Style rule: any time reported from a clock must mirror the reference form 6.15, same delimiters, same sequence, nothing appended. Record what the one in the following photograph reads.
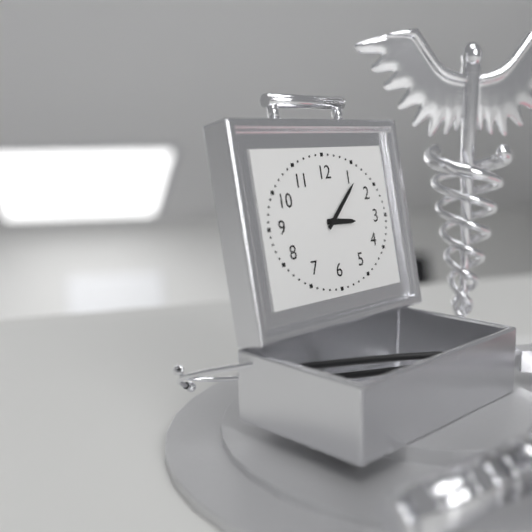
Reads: 3.08
